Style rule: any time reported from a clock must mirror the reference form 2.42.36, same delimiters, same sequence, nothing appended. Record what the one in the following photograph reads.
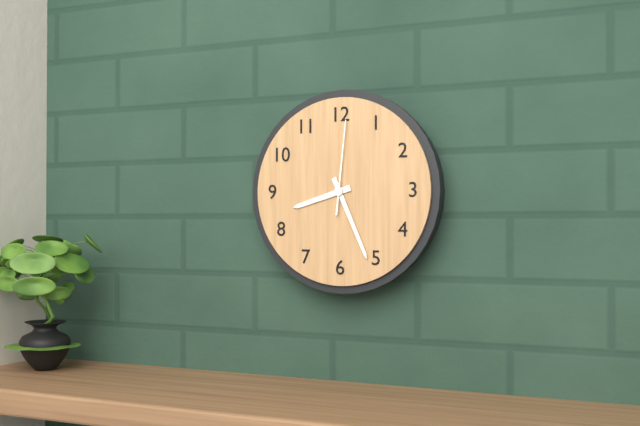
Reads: 8.26.01
